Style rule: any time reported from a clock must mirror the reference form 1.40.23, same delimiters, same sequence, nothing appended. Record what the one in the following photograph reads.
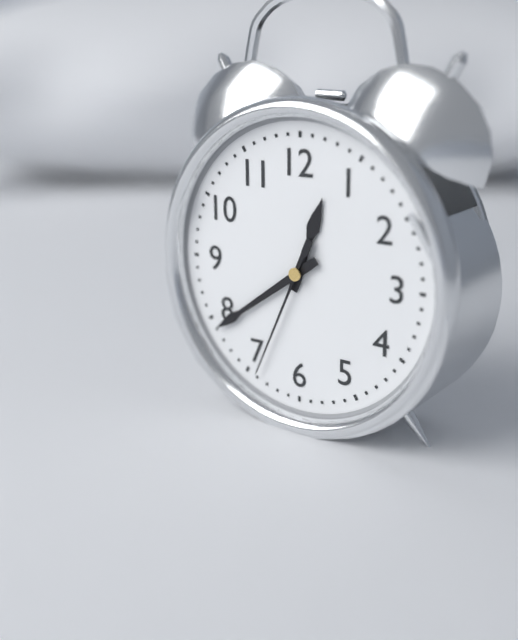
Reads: 12.39.34
